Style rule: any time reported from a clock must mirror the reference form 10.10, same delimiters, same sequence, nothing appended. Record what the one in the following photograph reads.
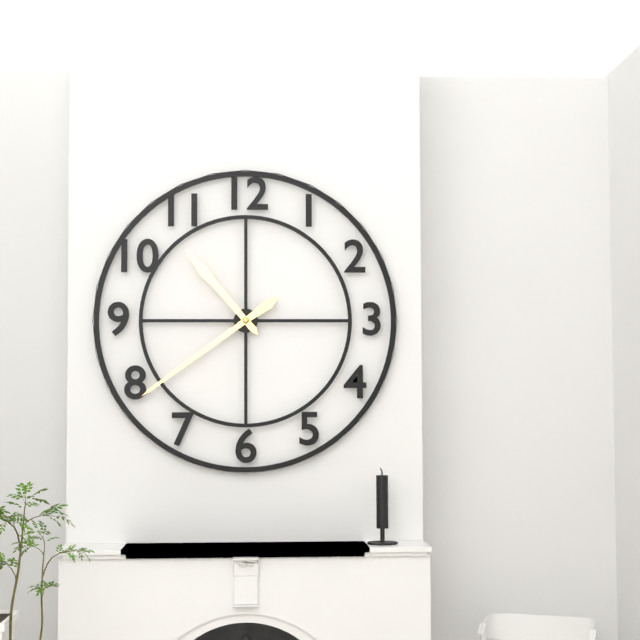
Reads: 10.39
